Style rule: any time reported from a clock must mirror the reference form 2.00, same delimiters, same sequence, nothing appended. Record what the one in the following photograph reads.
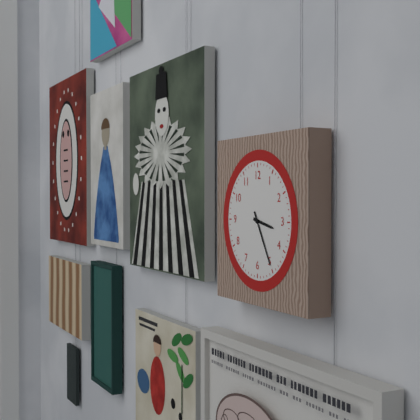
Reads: 3.25
